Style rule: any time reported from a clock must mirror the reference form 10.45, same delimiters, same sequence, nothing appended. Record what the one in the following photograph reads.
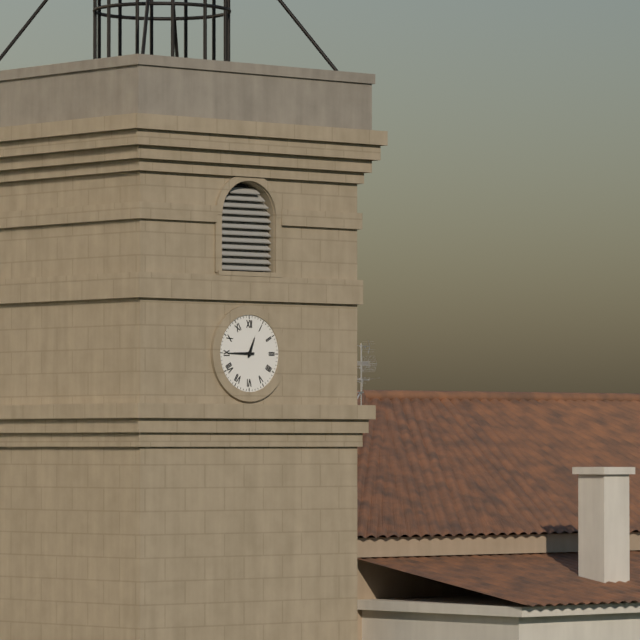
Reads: 12.45
